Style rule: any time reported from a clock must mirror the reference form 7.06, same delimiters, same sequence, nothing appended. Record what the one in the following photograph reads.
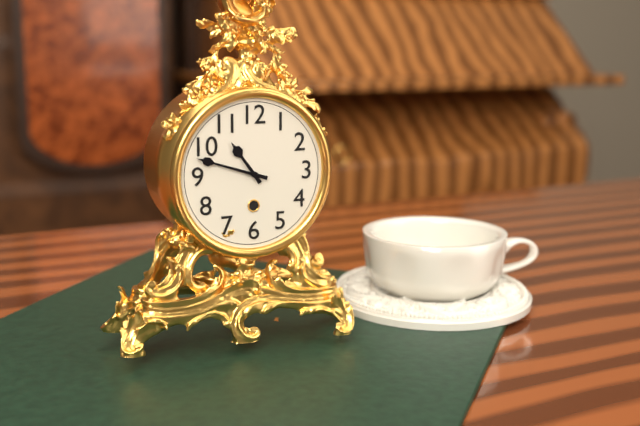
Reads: 10.48
